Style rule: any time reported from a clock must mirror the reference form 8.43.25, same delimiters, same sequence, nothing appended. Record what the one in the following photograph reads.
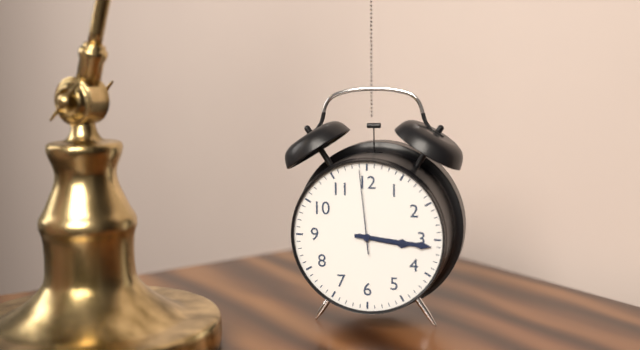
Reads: 3.16.59
